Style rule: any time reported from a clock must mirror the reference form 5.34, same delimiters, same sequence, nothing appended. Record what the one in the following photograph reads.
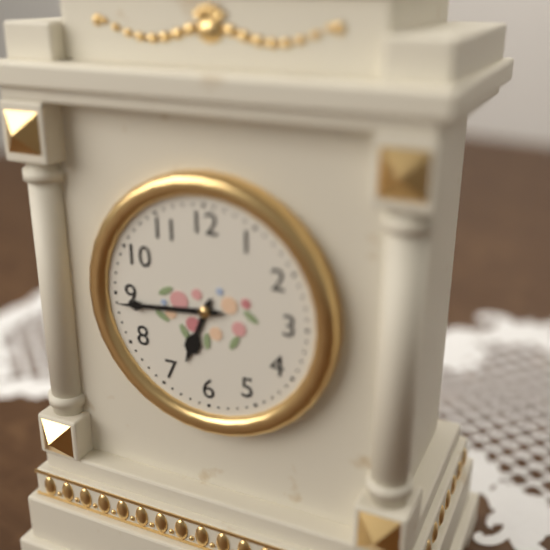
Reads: 6.44
